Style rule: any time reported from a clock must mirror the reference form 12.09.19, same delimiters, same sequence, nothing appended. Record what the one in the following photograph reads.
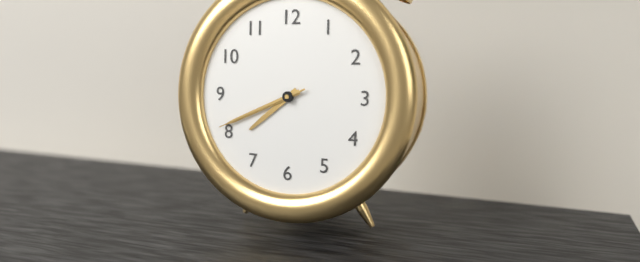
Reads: 7.41.41
